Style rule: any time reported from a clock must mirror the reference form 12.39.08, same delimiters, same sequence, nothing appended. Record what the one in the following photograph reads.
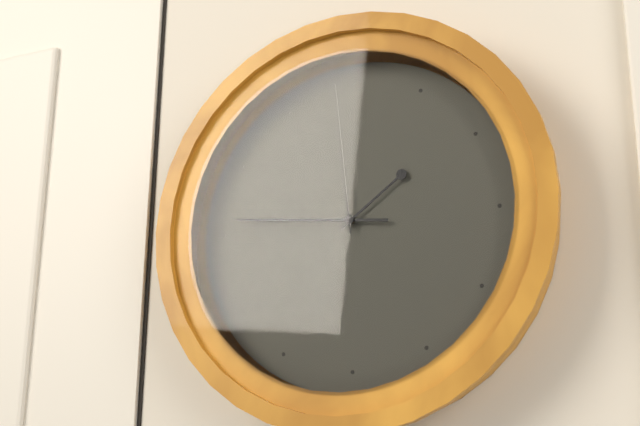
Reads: 1.46.59
